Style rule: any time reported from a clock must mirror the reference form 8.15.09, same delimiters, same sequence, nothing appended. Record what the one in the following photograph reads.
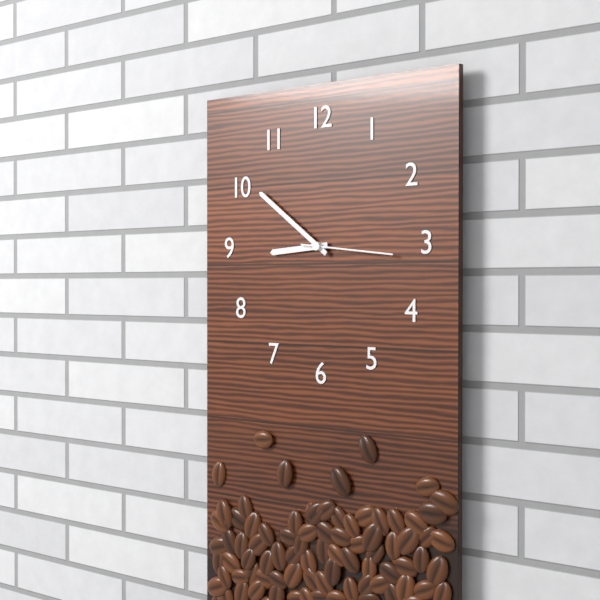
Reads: 8.51.16
